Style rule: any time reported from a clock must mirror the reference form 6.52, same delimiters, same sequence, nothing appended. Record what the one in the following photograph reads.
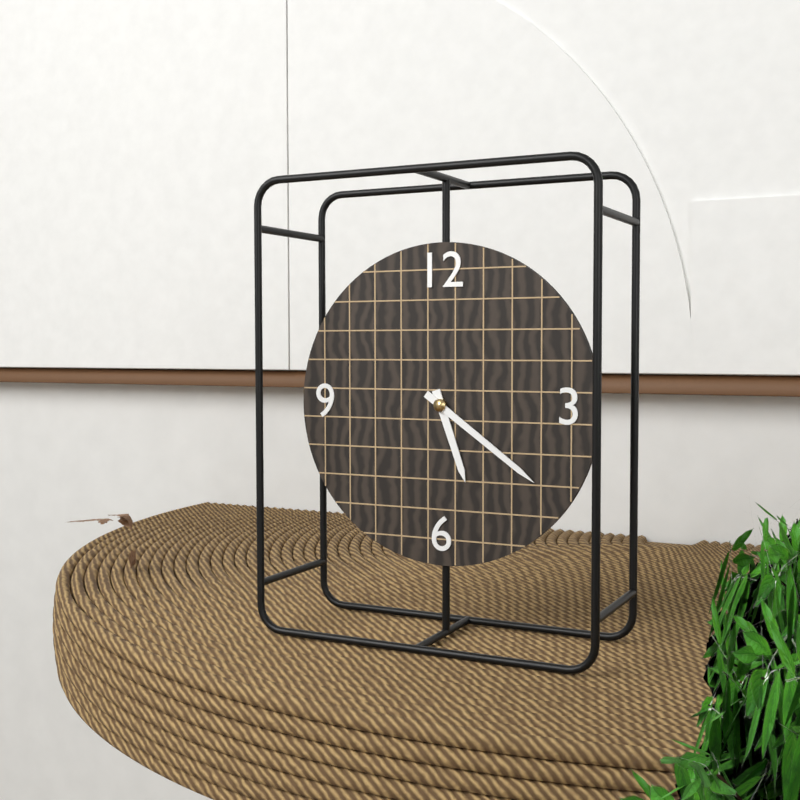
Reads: 5.21
